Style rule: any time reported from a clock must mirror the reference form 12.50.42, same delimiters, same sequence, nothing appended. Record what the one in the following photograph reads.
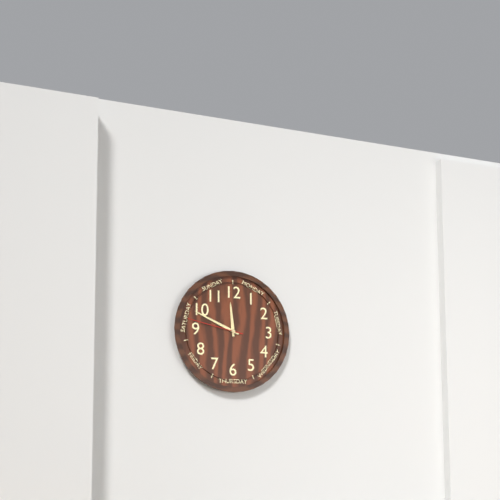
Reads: 11.49.47
